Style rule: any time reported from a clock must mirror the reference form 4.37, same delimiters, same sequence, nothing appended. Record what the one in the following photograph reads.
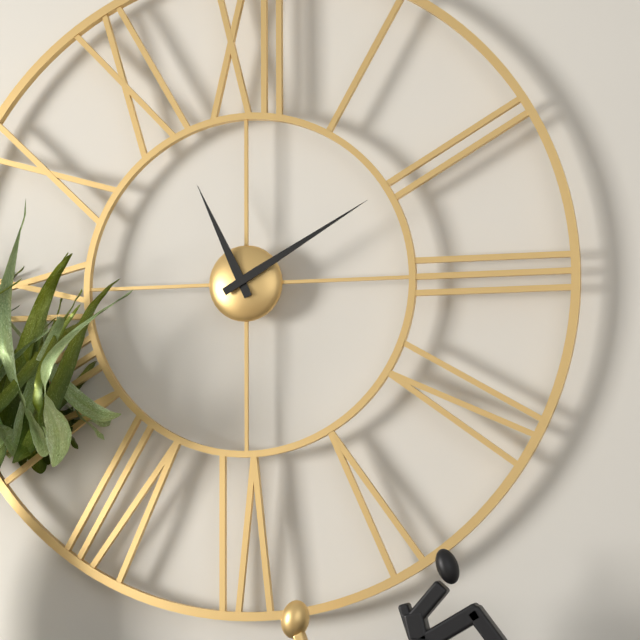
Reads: 11.10
